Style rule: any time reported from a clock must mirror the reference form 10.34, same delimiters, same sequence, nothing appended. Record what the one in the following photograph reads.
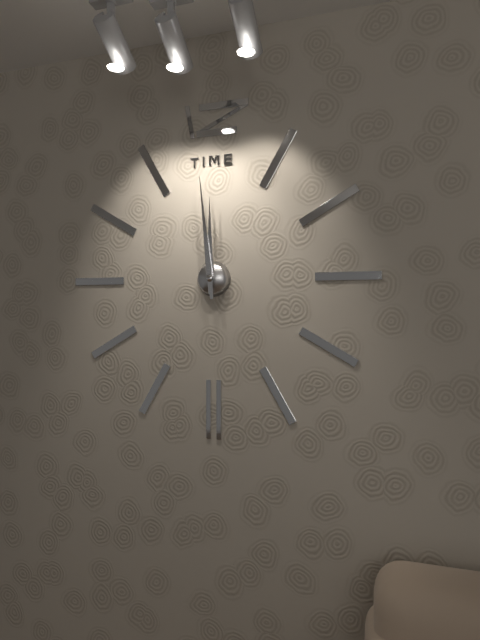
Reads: 11.59
